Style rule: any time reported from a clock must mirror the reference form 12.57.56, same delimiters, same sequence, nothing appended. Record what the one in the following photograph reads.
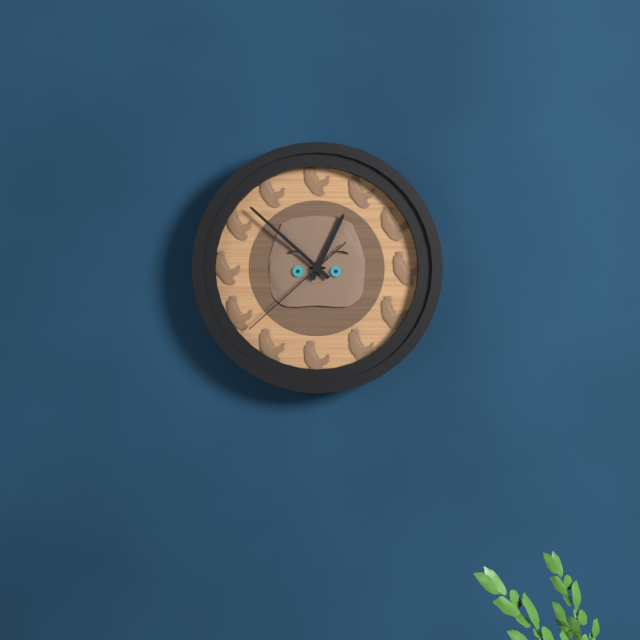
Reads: 12.52.38
